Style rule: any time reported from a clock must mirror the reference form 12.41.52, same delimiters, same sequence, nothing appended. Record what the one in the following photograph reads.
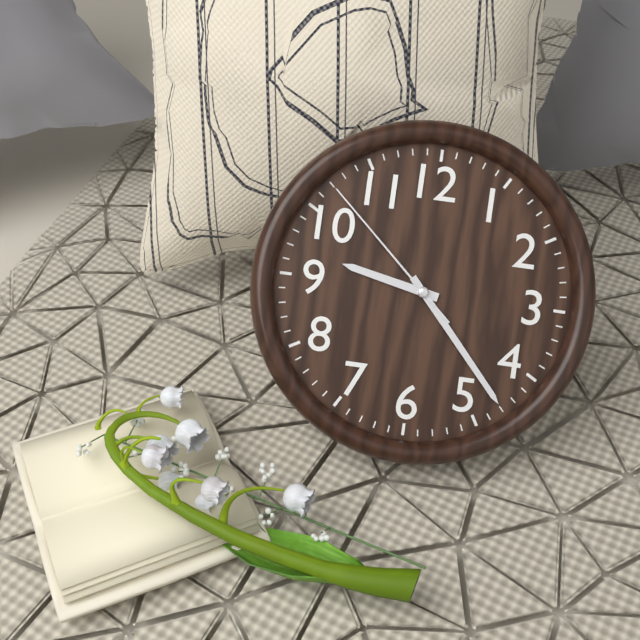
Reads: 9.23.52
